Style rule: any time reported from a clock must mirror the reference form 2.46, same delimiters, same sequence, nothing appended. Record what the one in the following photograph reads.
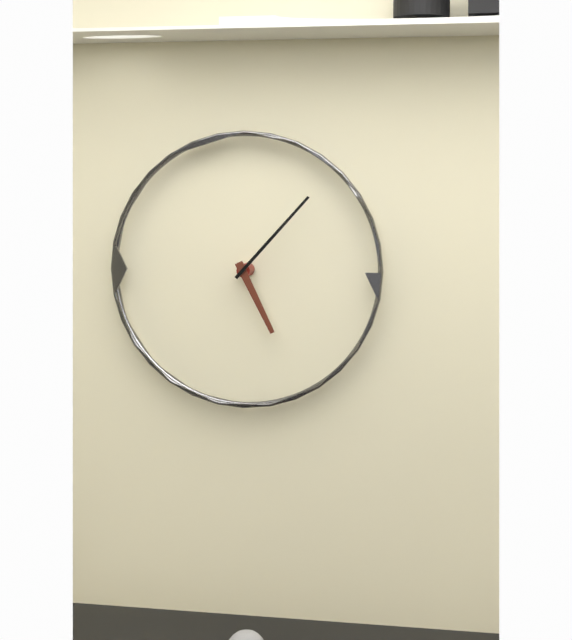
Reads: 5.07
